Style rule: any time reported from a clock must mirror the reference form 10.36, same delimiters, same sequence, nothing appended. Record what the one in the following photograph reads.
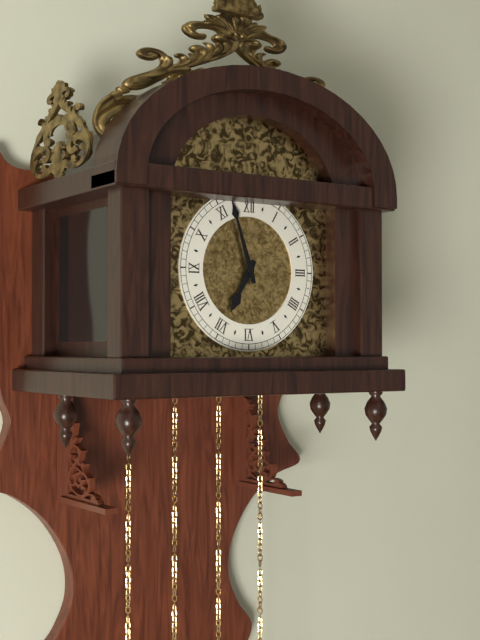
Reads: 6.57
